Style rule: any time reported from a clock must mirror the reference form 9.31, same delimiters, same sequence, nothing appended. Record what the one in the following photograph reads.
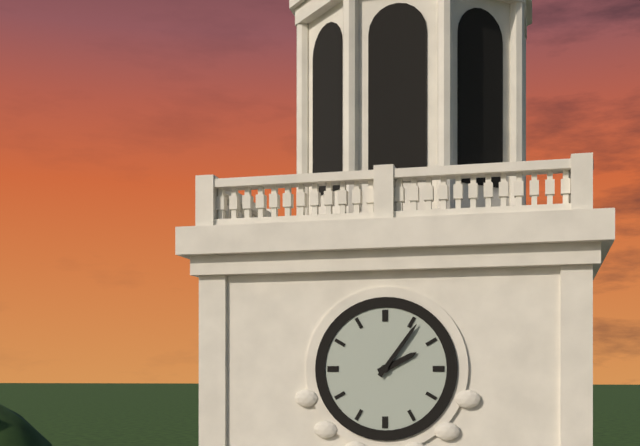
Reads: 2.06
